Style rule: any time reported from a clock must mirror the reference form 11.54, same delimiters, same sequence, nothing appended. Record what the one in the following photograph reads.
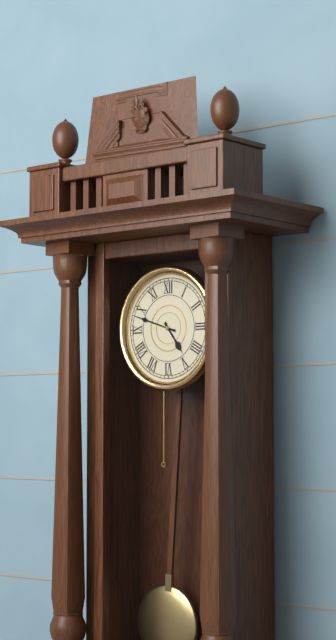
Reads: 4.48
